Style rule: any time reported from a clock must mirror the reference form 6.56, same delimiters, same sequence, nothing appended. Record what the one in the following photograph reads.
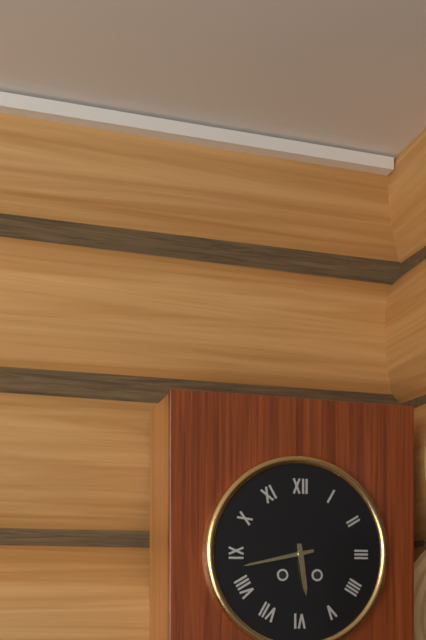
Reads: 5.43
